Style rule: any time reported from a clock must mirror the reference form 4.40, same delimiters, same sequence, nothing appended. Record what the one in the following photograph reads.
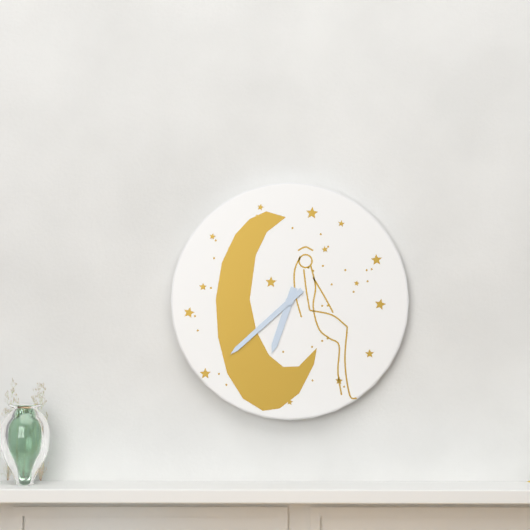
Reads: 6.38
